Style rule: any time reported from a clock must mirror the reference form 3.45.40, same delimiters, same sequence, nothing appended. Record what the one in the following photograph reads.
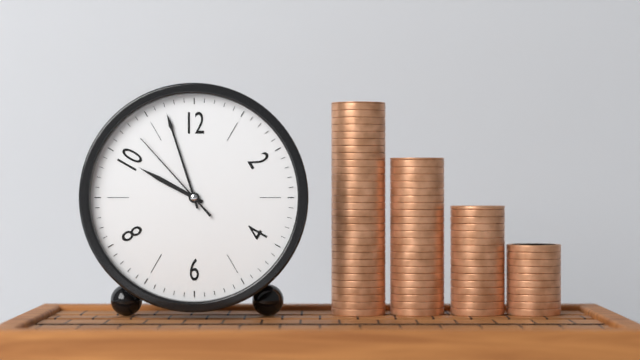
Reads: 9.57.53
